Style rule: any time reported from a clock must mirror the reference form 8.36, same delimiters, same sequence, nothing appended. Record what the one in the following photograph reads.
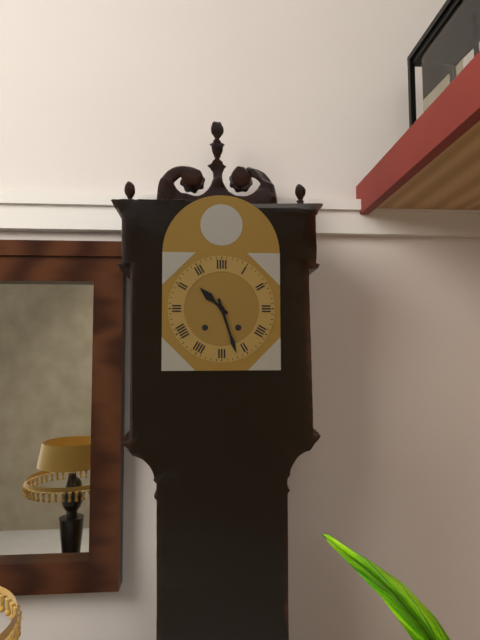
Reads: 10.27
